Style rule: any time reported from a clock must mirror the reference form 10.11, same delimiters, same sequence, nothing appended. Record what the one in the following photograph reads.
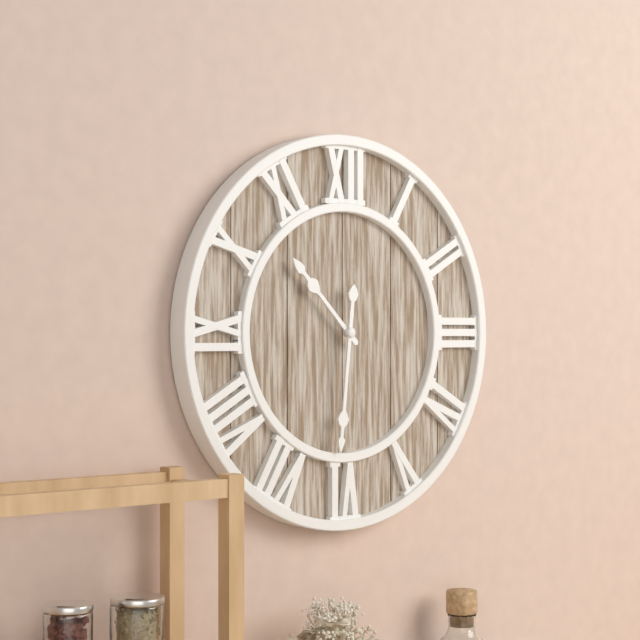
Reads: 10.31
